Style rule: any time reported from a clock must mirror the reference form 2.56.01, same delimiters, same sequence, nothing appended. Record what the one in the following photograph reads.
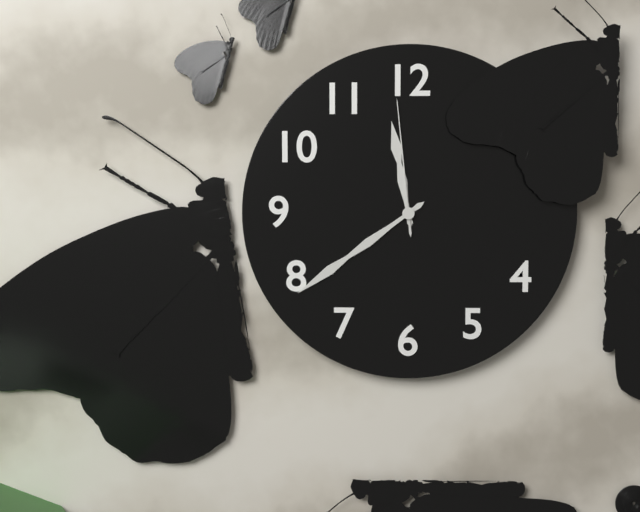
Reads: 11.39.59
